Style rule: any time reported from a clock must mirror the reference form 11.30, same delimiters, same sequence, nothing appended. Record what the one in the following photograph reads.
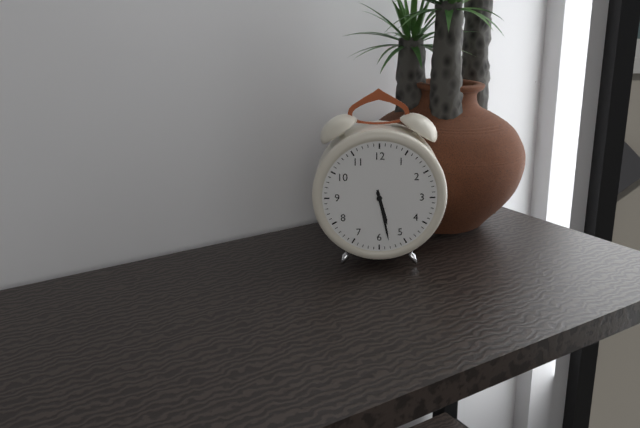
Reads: 5.28
